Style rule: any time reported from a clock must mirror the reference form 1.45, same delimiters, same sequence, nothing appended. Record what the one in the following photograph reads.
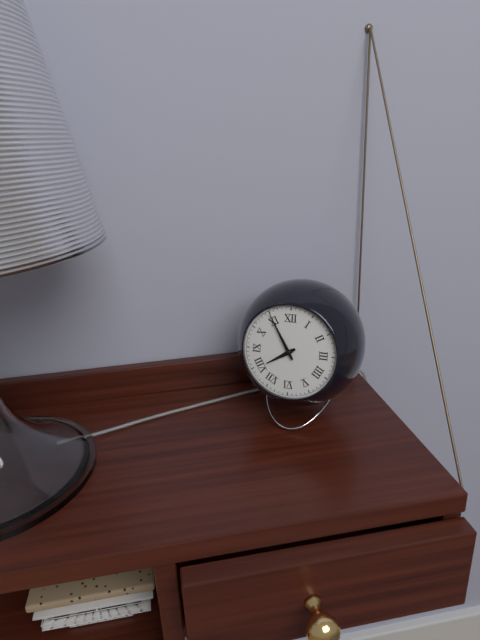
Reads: 7.55
